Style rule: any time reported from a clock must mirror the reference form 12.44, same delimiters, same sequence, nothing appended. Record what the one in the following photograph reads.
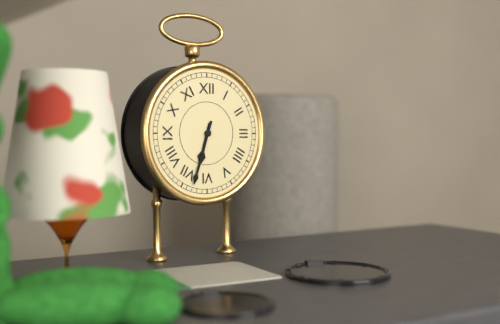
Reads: 6.33
